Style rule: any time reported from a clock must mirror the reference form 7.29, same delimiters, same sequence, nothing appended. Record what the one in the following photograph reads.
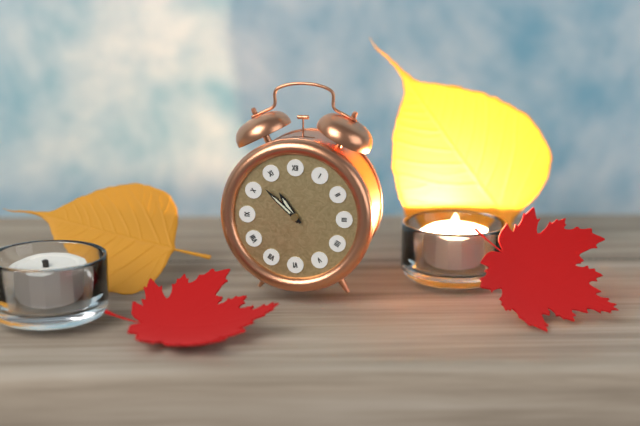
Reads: 10.52
